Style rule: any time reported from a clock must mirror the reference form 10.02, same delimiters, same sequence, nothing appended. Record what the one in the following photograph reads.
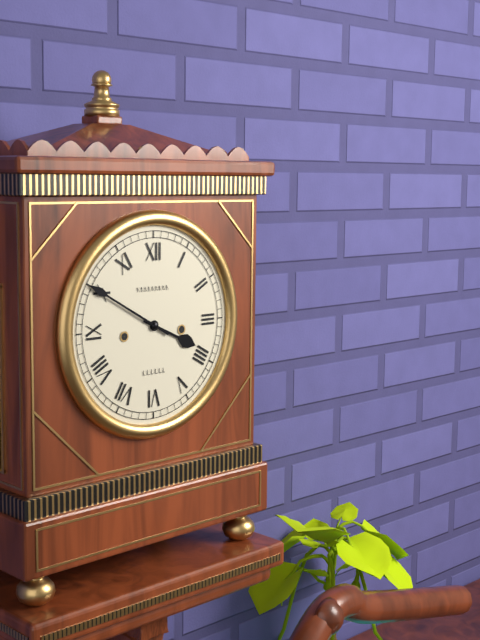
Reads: 3.50
